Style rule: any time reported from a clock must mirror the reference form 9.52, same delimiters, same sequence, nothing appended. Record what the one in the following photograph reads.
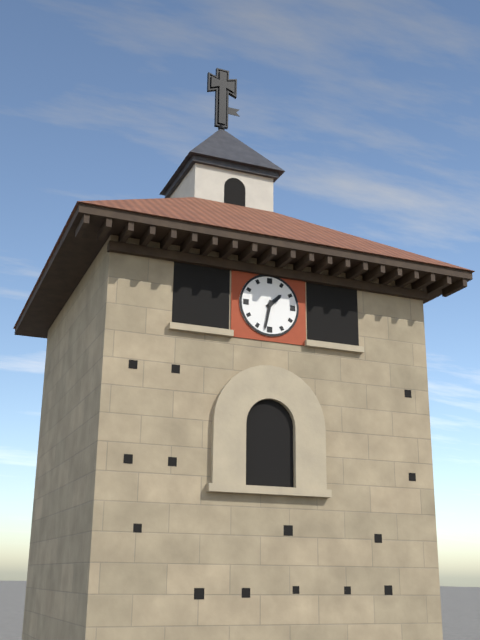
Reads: 1.32
